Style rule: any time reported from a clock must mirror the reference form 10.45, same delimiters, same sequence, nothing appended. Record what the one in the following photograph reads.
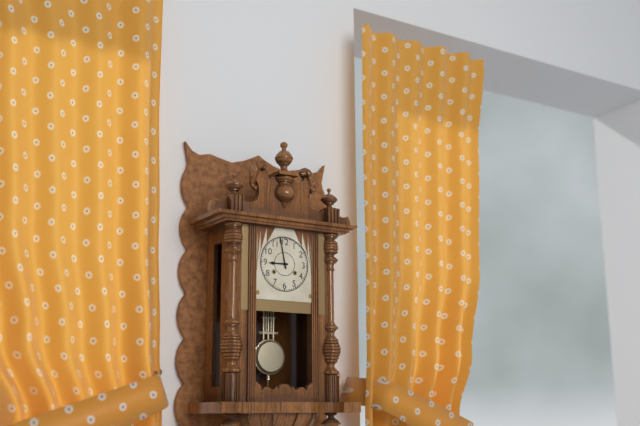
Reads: 8.58
